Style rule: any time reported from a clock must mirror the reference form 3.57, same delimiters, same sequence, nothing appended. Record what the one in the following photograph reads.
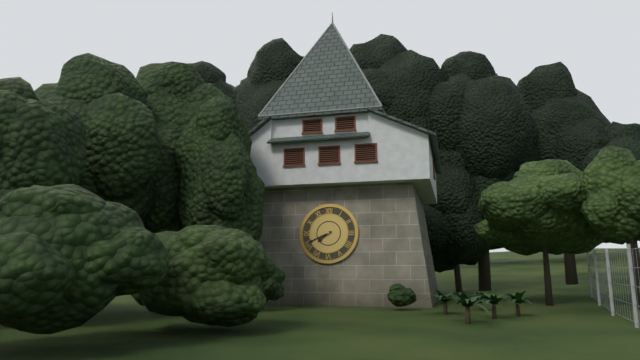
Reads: 7.41
